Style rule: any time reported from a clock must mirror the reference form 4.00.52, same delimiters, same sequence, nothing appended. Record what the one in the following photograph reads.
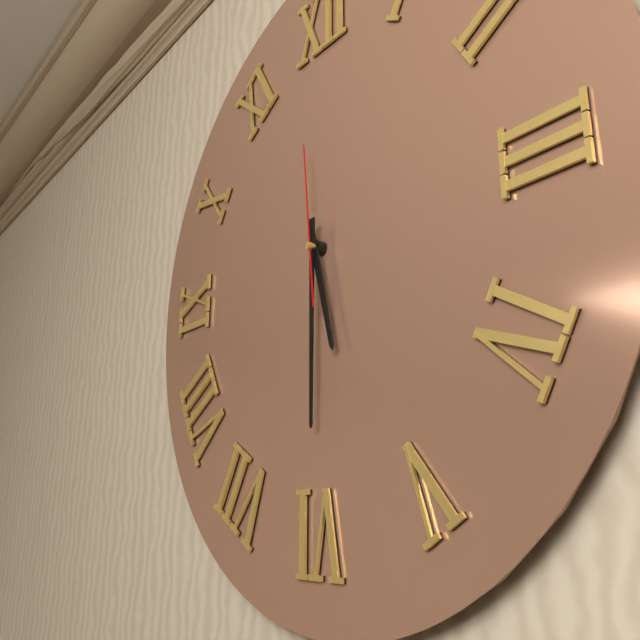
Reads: 5.30.59
